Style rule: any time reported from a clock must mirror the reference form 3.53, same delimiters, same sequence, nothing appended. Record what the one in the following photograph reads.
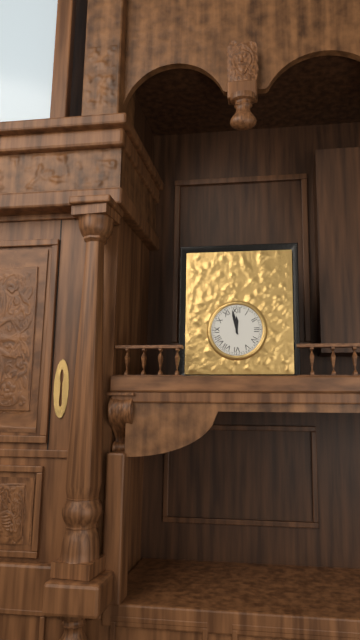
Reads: 11.58
